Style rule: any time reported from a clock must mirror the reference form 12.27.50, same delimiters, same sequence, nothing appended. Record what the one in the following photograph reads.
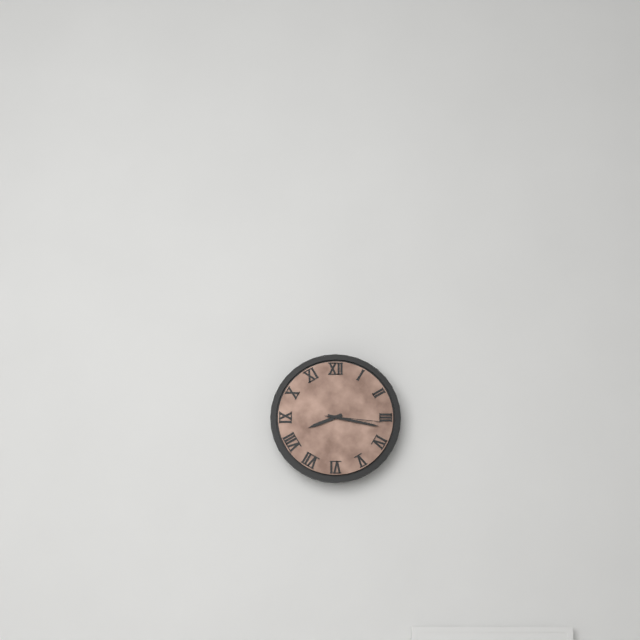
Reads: 8.17.16
